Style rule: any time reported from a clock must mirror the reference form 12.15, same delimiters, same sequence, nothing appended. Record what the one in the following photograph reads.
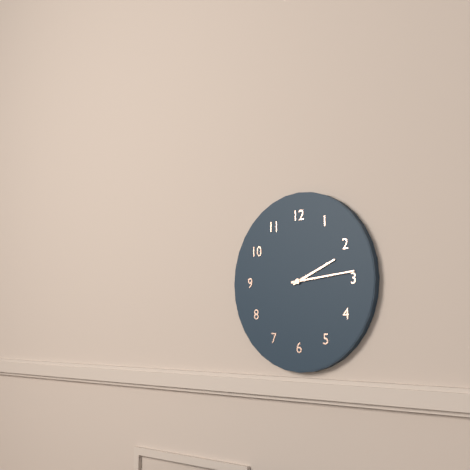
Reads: 2.14
